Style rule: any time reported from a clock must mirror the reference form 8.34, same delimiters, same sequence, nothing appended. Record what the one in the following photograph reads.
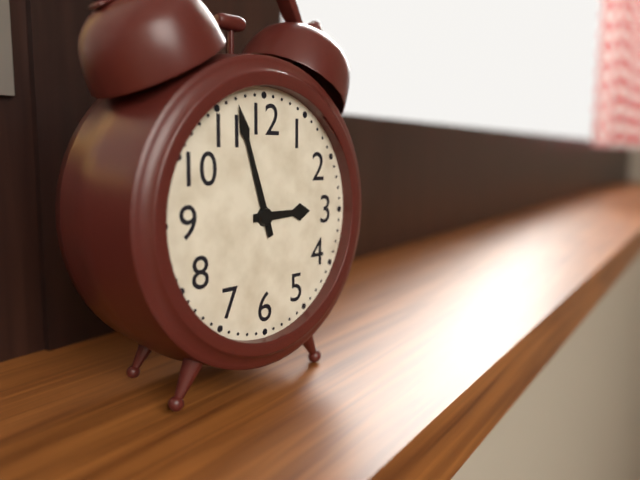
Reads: 2.57
